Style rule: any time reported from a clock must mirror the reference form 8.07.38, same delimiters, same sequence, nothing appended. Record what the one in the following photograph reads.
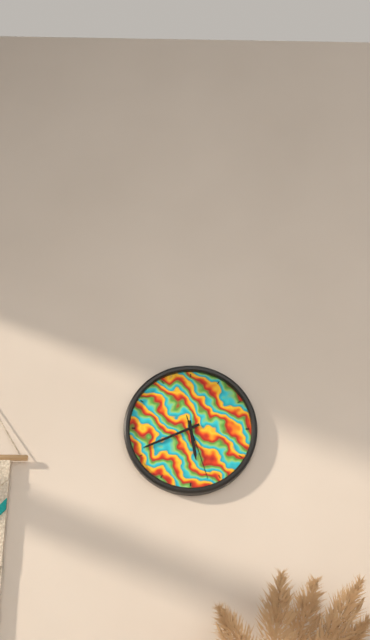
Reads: 5.41.27
